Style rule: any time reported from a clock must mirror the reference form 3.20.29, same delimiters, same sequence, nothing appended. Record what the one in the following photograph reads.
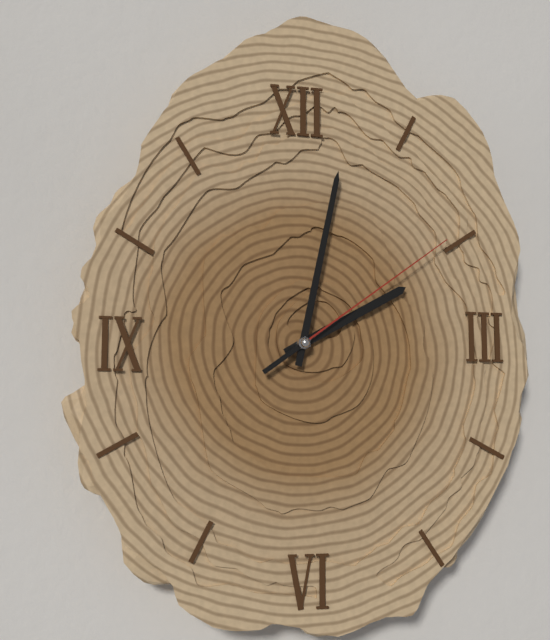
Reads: 2.02.09
